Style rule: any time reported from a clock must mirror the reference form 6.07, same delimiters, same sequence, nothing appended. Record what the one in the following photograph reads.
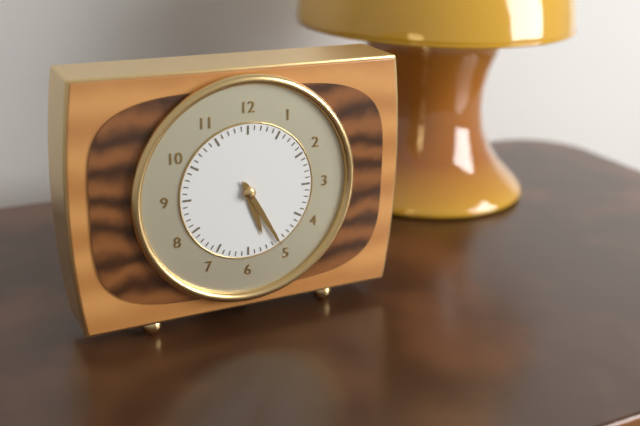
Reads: 5.25
